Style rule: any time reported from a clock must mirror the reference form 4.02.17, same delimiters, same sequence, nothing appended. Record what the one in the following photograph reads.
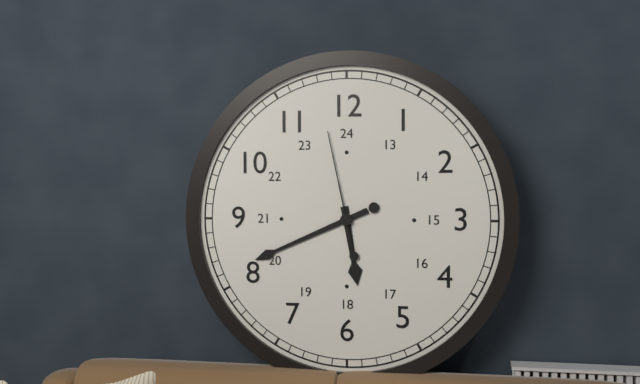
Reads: 5.41.58
